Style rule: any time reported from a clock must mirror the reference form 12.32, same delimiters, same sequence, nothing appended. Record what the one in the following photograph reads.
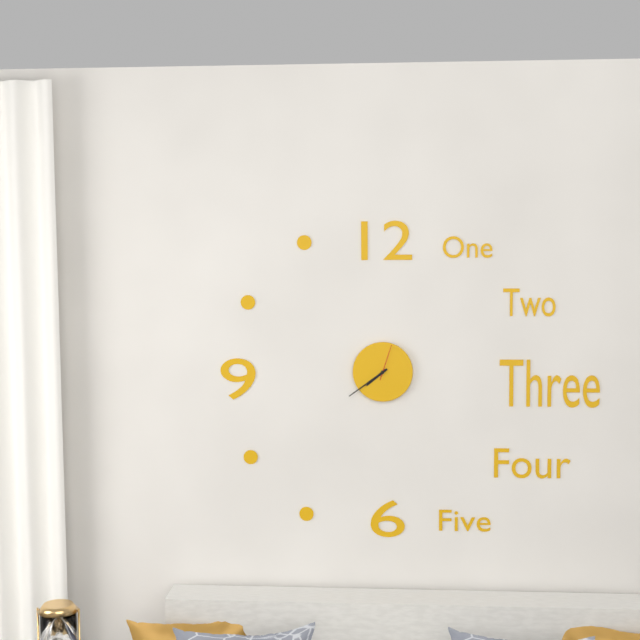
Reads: 7.39
